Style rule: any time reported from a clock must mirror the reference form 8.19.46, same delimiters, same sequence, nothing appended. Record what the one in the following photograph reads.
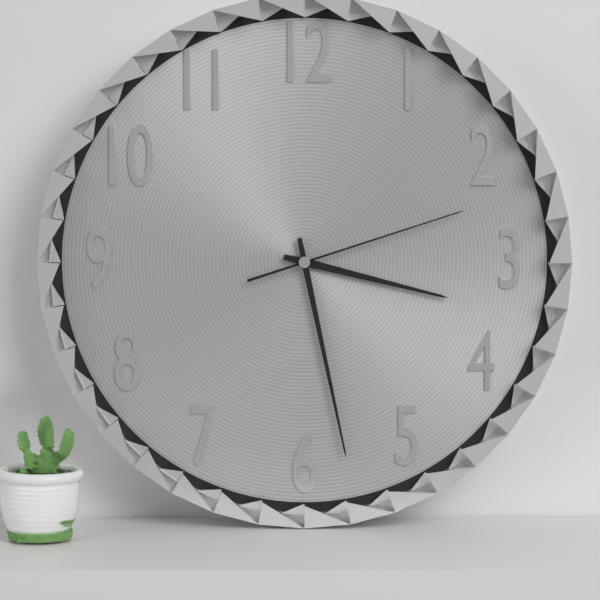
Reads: 3.28.12
